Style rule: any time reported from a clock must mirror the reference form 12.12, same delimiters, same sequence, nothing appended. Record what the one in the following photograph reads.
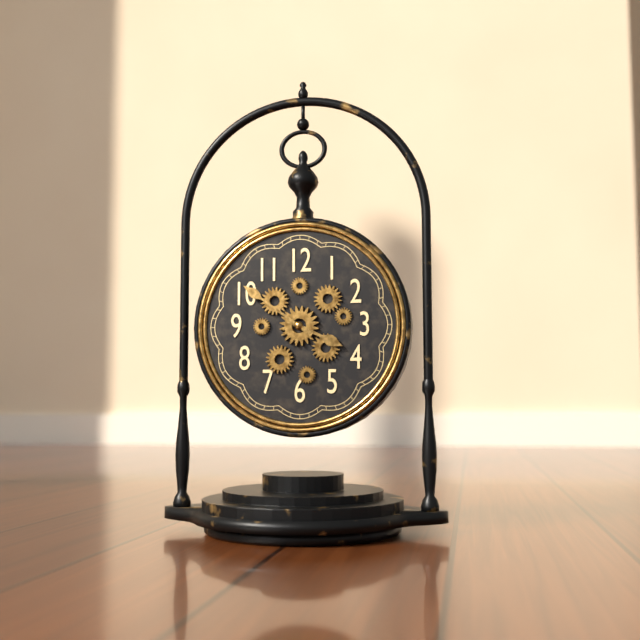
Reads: 3.51
